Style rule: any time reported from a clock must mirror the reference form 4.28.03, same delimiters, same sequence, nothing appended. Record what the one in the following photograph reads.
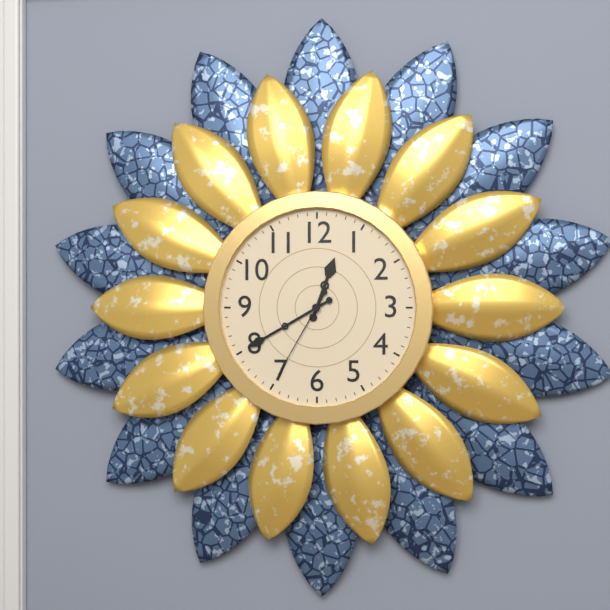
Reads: 12.40.35
